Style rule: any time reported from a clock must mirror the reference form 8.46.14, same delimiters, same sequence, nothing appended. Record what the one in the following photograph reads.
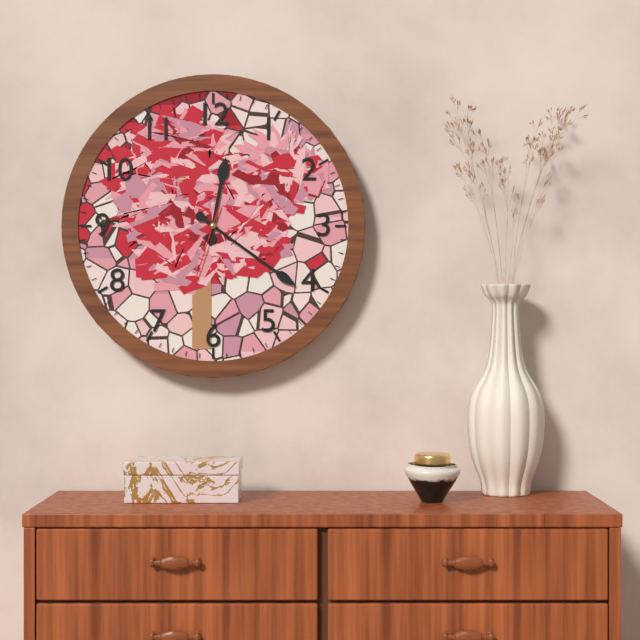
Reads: 12.21.33
